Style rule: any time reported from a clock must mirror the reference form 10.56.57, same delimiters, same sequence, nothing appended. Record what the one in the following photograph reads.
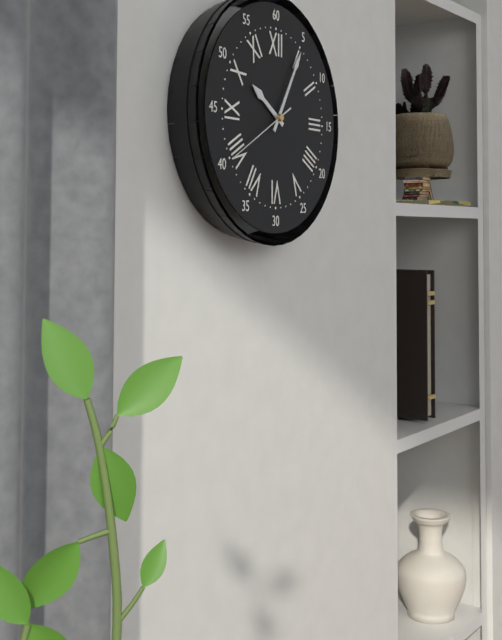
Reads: 10.05.40
